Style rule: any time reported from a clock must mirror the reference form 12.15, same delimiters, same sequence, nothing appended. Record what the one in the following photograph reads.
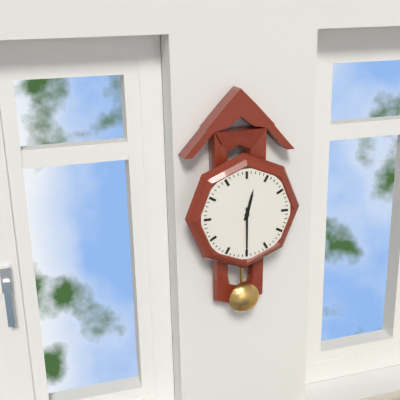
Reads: 12.30
